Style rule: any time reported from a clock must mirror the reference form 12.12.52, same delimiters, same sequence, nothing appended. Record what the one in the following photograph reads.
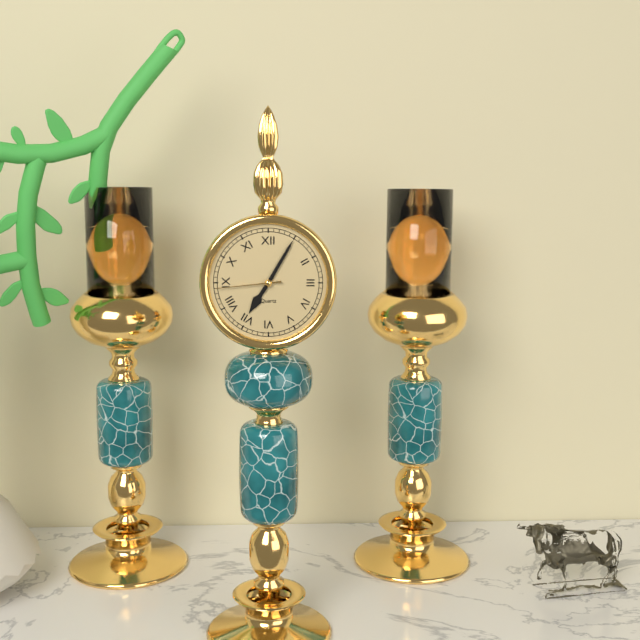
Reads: 7.05.44
